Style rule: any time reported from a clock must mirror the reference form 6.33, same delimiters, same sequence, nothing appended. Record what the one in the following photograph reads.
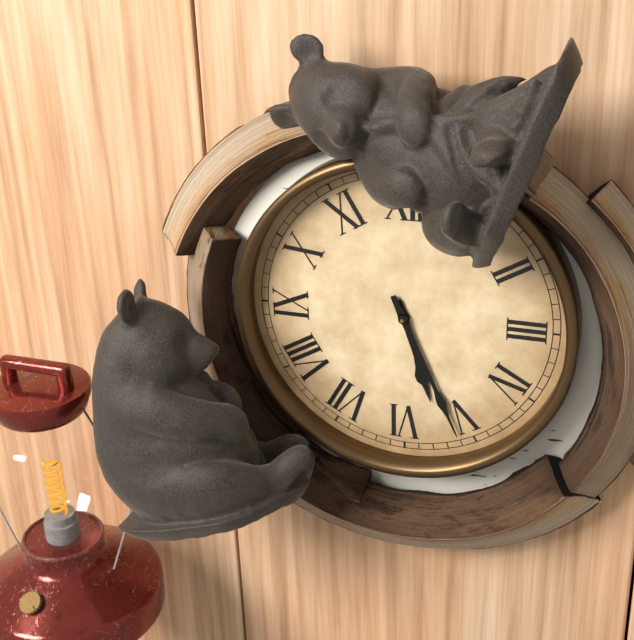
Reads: 5.26
